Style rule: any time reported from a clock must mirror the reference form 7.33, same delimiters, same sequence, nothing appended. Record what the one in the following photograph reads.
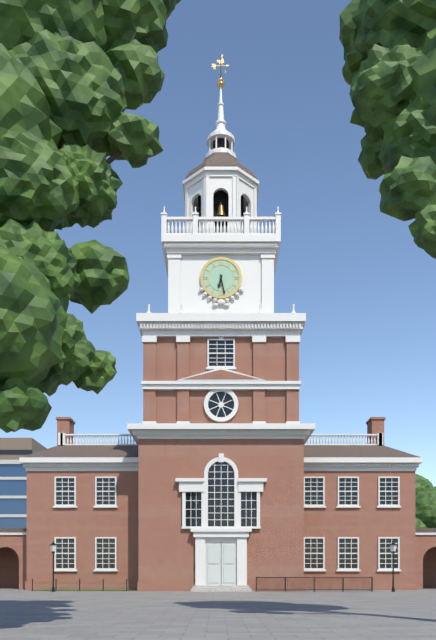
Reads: 6.28
